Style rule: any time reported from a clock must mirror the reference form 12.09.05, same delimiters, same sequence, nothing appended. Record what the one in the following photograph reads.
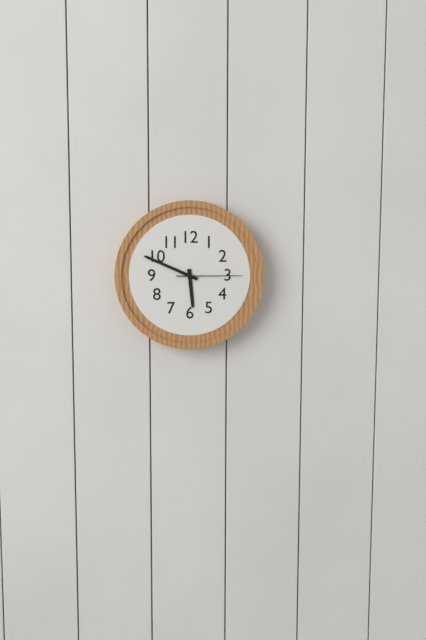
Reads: 5.49.15
